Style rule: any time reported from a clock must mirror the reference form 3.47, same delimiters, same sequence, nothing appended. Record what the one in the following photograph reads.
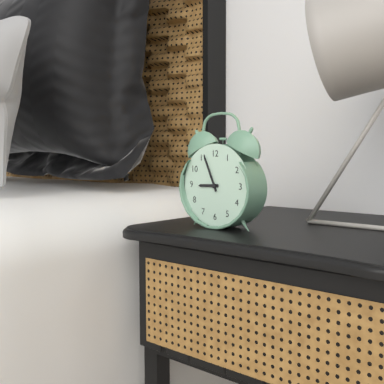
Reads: 8.56
